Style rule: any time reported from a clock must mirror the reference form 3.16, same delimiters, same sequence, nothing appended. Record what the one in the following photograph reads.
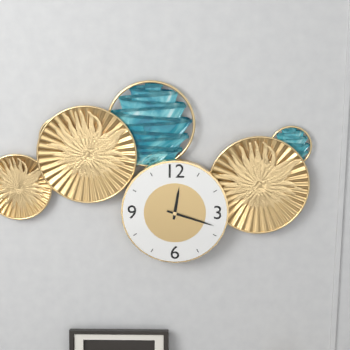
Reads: 12.18
